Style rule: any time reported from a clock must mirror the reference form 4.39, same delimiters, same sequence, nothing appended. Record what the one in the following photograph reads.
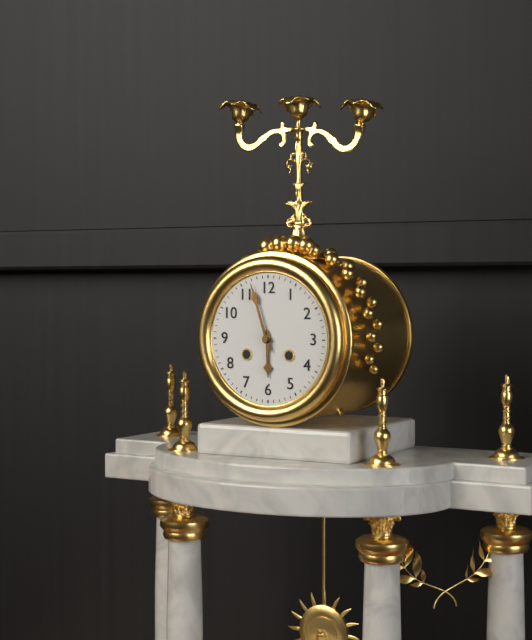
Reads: 5.57
